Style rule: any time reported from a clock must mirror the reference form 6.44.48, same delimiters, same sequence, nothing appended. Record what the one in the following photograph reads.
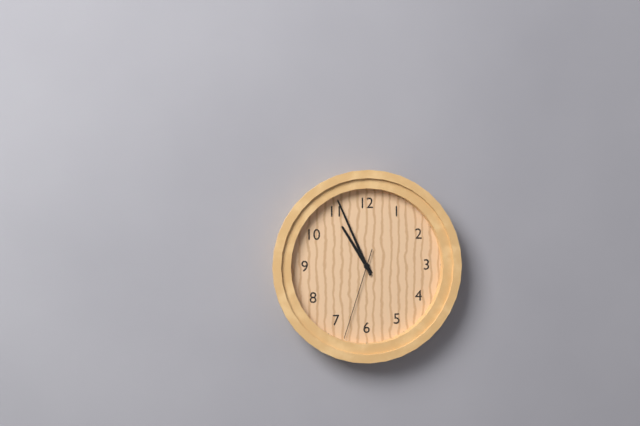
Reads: 10.56.33
